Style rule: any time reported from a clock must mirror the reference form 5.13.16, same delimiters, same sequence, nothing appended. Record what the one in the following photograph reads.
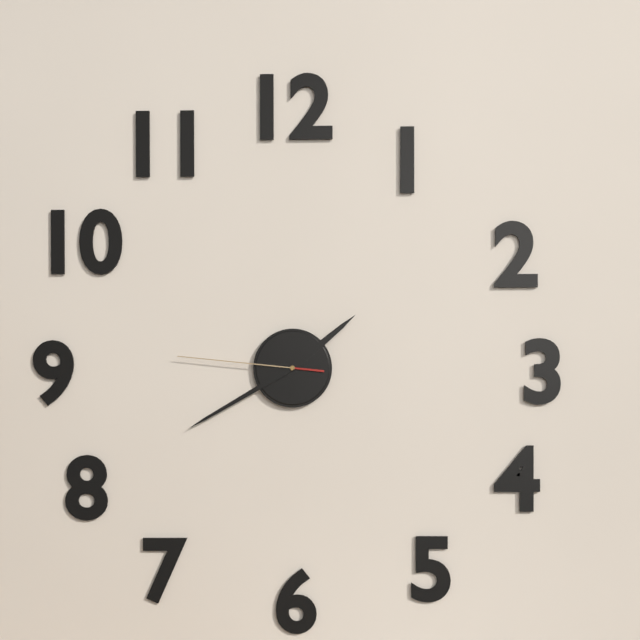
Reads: 1.40.46
